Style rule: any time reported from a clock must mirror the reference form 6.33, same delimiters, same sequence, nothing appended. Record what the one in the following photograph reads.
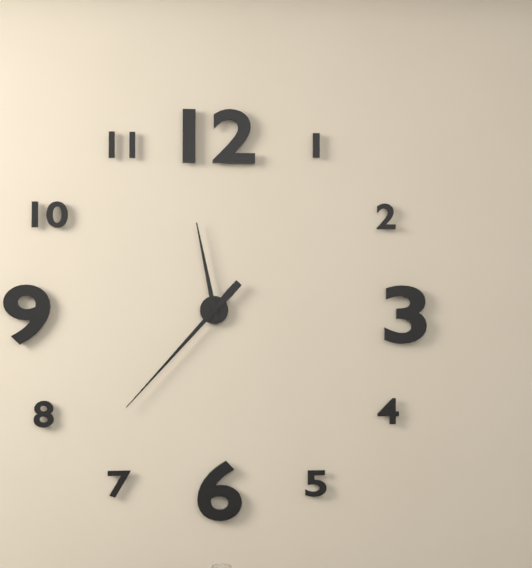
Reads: 11.37
